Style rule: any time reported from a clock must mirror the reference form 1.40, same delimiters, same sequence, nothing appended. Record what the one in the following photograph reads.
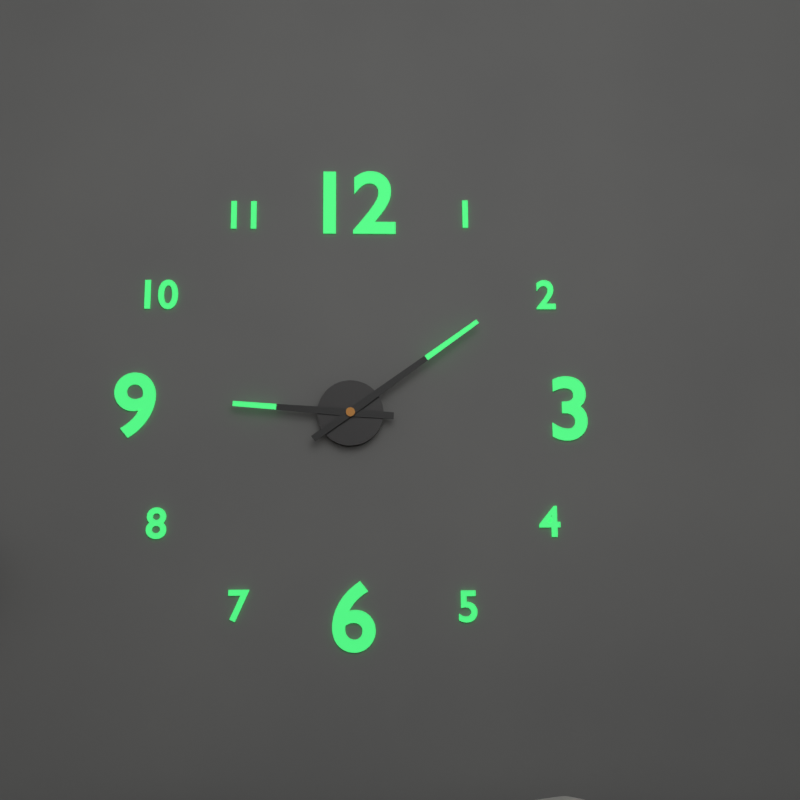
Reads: 9.09
